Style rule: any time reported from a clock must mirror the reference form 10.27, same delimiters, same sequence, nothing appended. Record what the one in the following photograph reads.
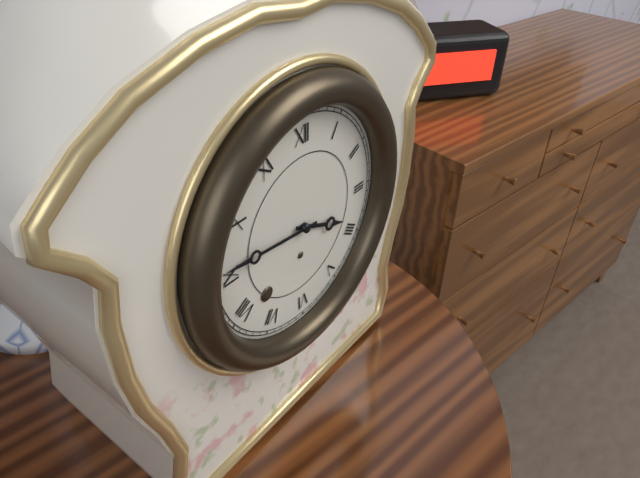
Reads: 3.46
